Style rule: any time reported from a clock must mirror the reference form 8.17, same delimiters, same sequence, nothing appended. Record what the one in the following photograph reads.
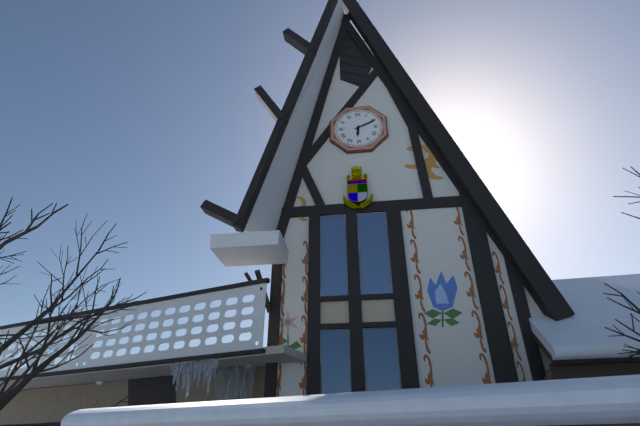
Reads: 6.11
